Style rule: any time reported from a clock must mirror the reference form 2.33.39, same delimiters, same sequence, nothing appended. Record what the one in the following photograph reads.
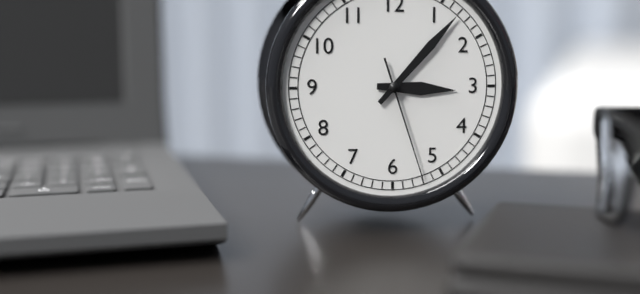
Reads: 3.07.27
